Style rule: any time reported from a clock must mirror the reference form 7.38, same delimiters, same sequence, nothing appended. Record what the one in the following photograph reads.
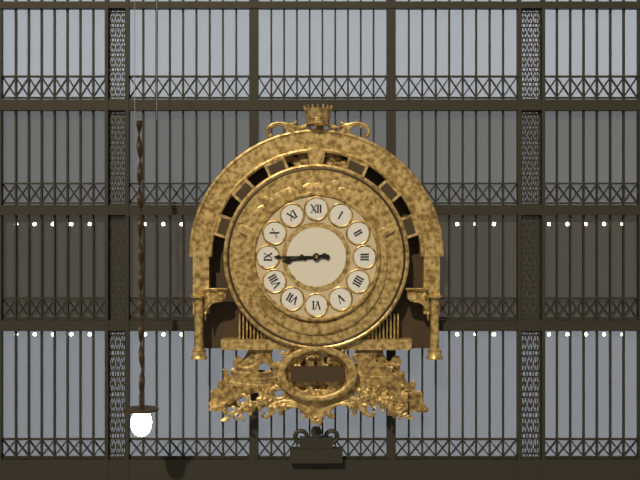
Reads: 8.45
